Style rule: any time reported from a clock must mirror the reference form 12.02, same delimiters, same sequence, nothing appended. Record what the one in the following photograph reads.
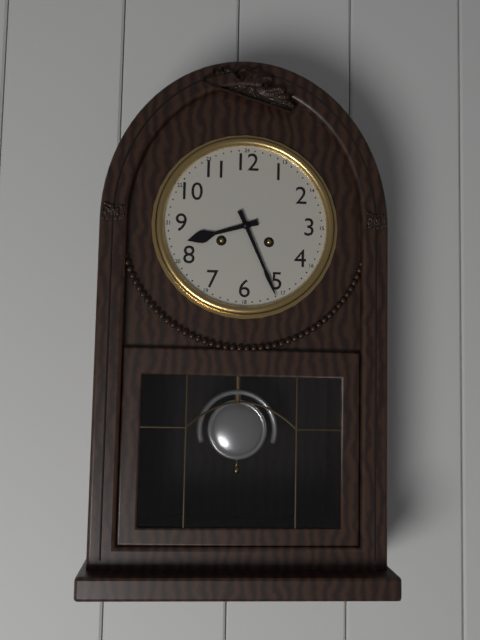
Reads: 8.26
